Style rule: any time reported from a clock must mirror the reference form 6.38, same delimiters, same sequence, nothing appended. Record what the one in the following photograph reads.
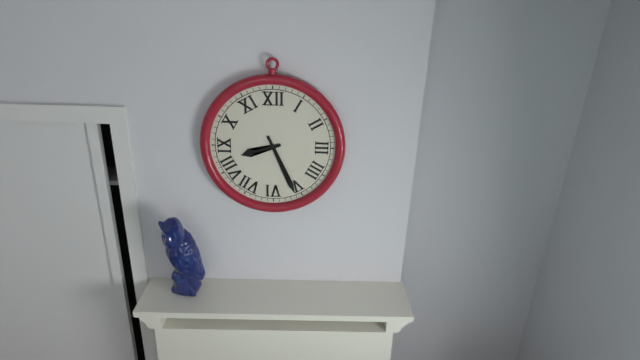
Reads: 8.26
